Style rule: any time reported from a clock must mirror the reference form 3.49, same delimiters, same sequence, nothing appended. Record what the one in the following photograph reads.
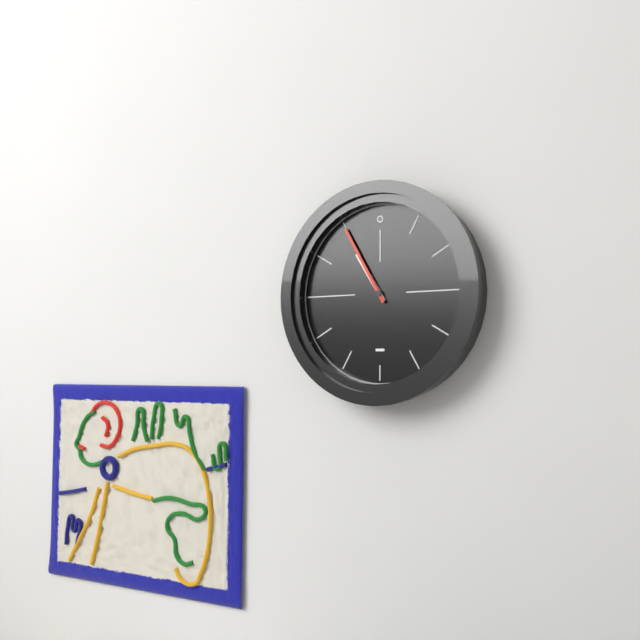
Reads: 10.55
